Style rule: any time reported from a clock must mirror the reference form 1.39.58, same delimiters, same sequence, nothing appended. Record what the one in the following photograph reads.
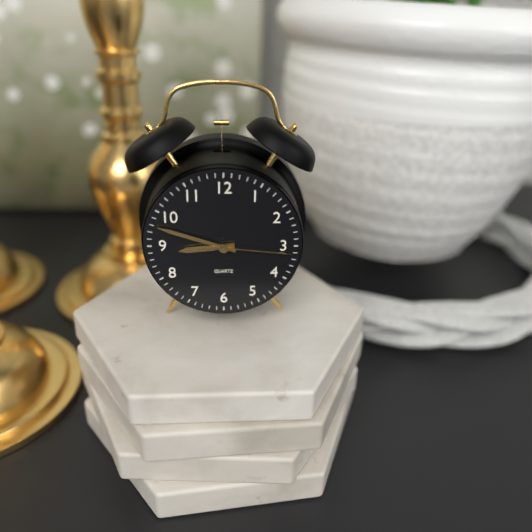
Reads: 8.48.16
